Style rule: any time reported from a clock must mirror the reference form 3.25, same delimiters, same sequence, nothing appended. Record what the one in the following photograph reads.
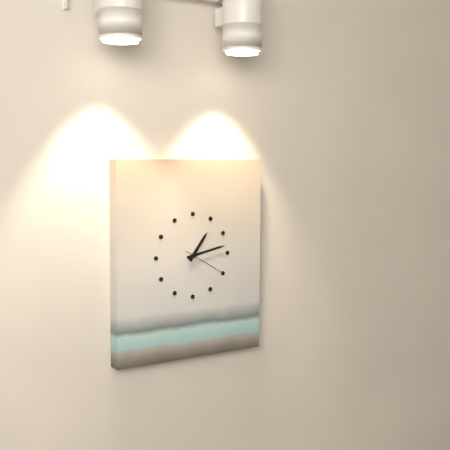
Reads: 1.13
